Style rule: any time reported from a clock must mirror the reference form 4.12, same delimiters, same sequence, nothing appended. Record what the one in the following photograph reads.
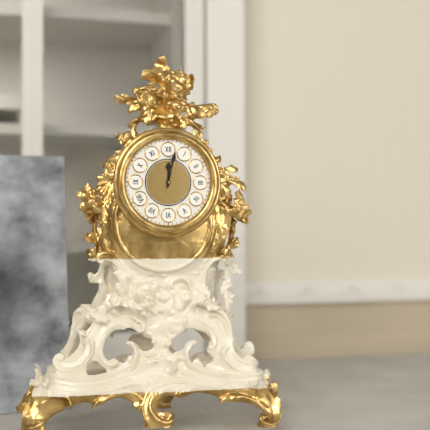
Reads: 12.02
